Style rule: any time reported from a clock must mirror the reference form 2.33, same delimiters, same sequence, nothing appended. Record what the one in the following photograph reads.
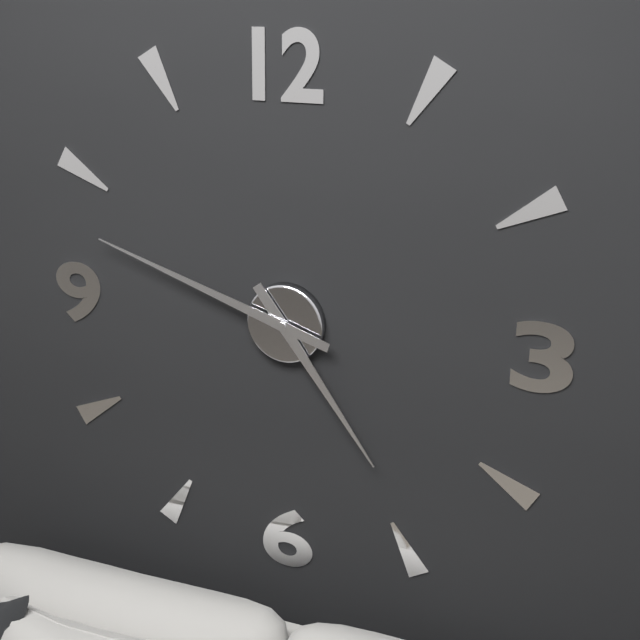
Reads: 4.48
